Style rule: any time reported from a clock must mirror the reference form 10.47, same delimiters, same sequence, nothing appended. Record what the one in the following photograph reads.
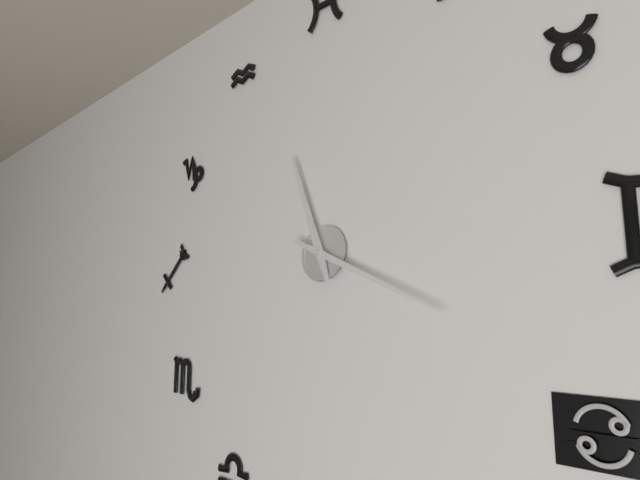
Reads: 11.19
